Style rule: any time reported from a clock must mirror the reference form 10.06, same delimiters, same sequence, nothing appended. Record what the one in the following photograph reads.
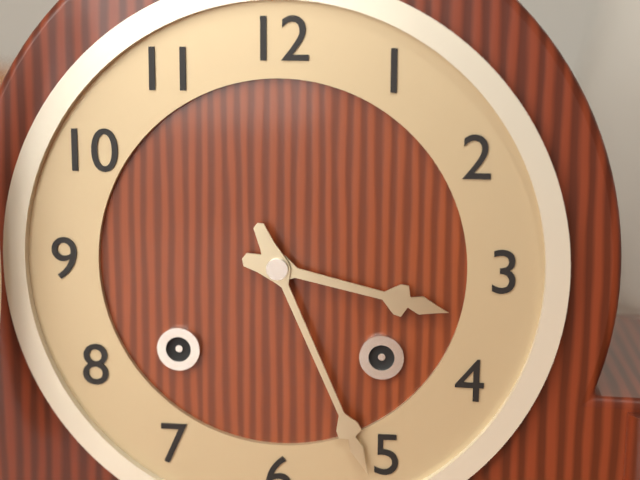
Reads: 3.26
